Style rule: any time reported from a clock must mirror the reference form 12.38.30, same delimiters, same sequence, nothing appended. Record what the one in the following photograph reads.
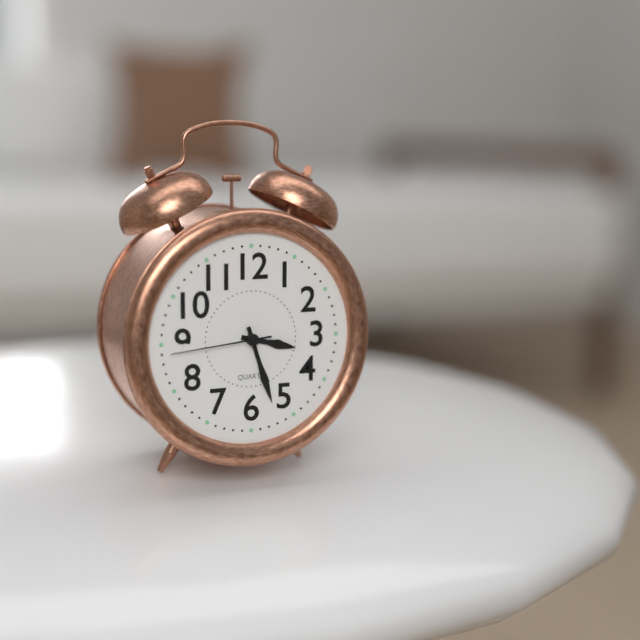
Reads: 3.27.44
